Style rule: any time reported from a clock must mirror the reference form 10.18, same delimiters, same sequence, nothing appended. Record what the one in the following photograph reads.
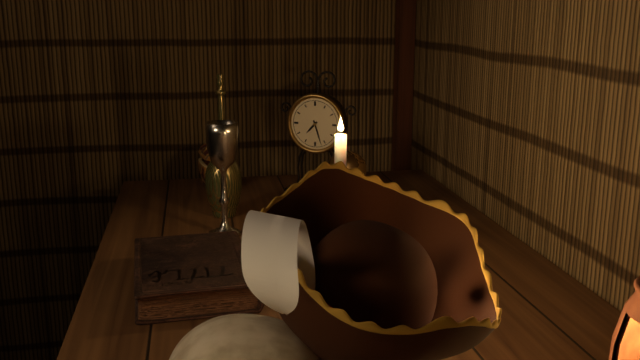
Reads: 7.27
